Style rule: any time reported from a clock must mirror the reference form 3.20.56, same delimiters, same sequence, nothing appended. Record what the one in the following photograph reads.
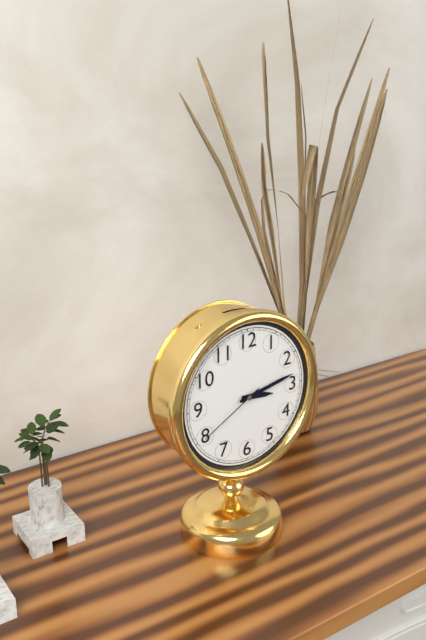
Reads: 3.13.40
